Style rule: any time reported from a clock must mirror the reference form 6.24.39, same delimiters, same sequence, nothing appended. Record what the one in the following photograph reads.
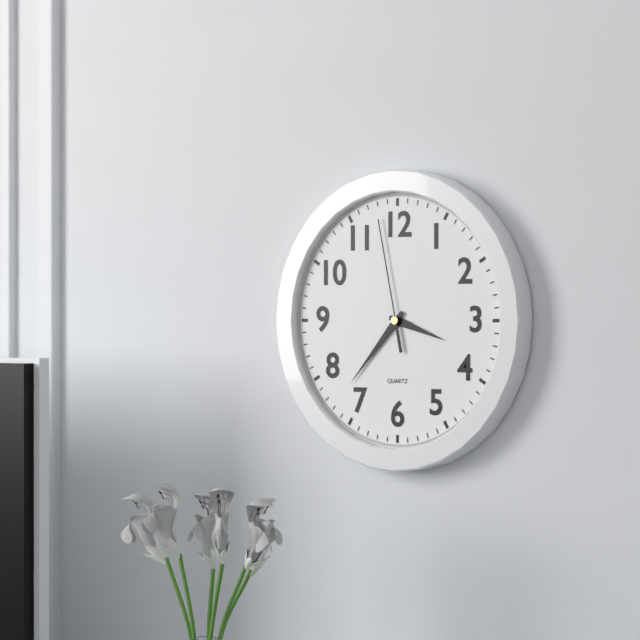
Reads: 3.37.58
